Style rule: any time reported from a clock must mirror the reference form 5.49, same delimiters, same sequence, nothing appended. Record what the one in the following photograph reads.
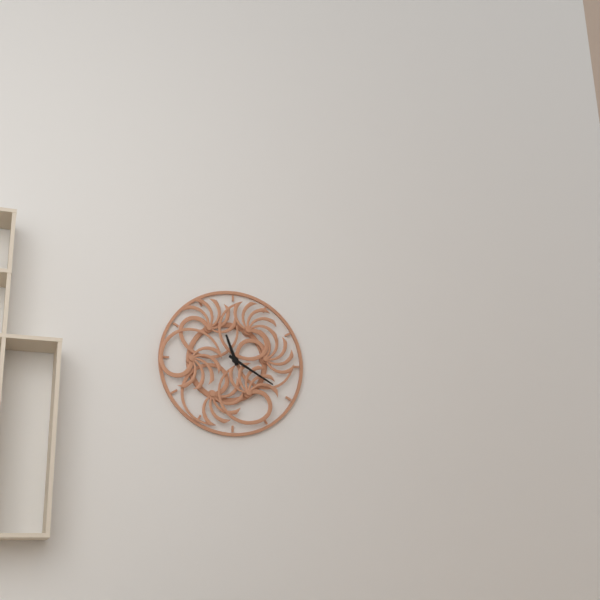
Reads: 11.20
